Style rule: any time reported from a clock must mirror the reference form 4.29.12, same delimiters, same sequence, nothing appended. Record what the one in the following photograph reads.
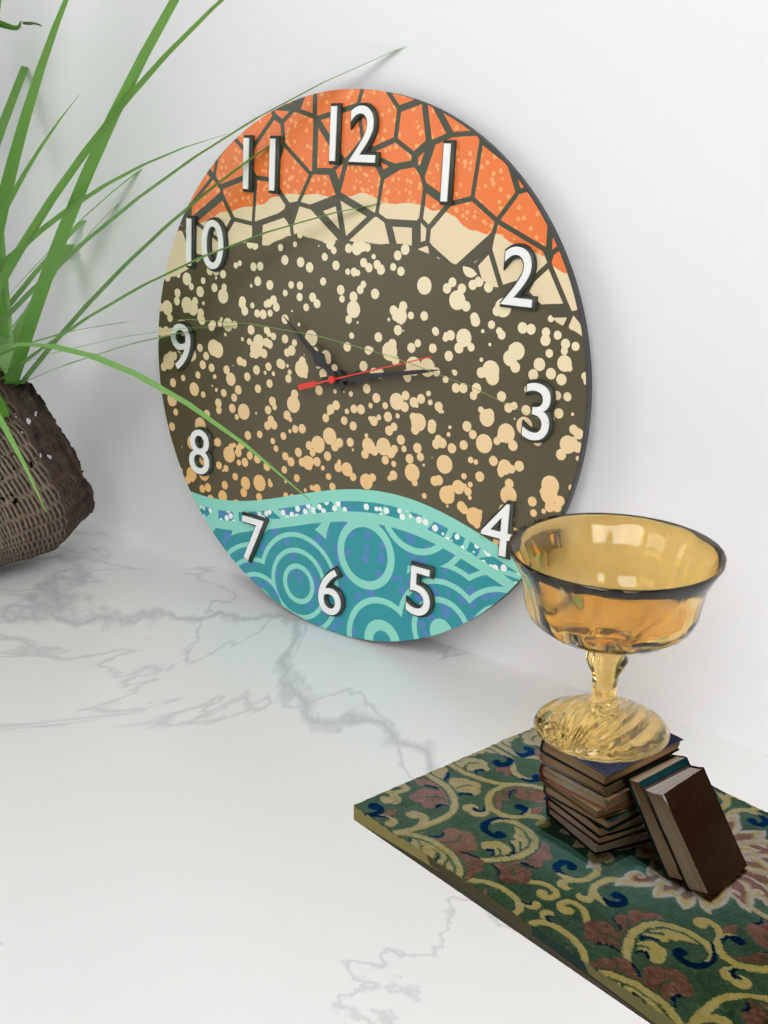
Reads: 10.13.12
